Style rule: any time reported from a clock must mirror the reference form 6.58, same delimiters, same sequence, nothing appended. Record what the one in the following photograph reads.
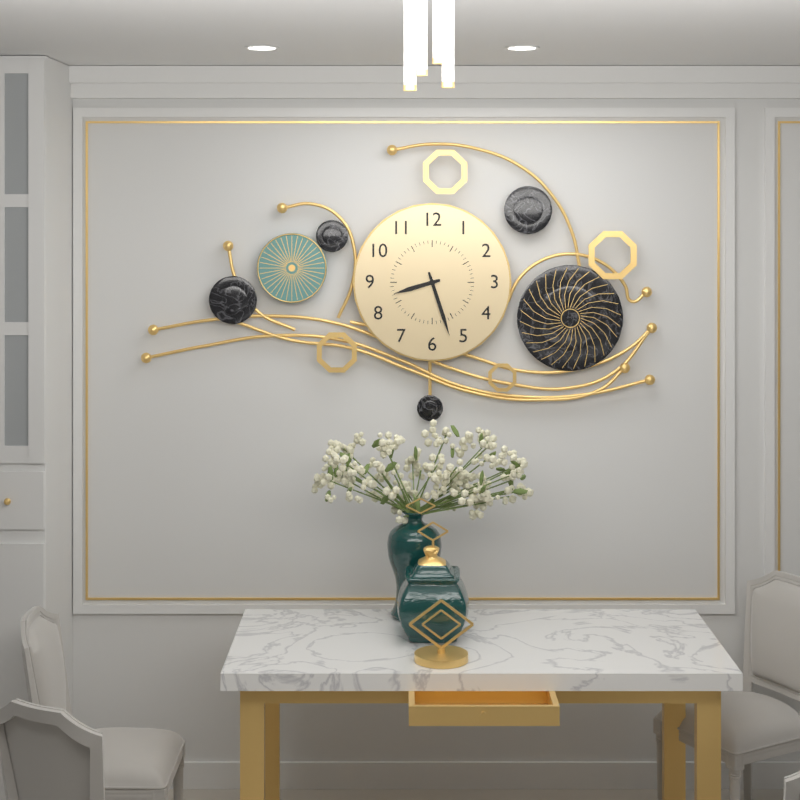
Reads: 8.27
